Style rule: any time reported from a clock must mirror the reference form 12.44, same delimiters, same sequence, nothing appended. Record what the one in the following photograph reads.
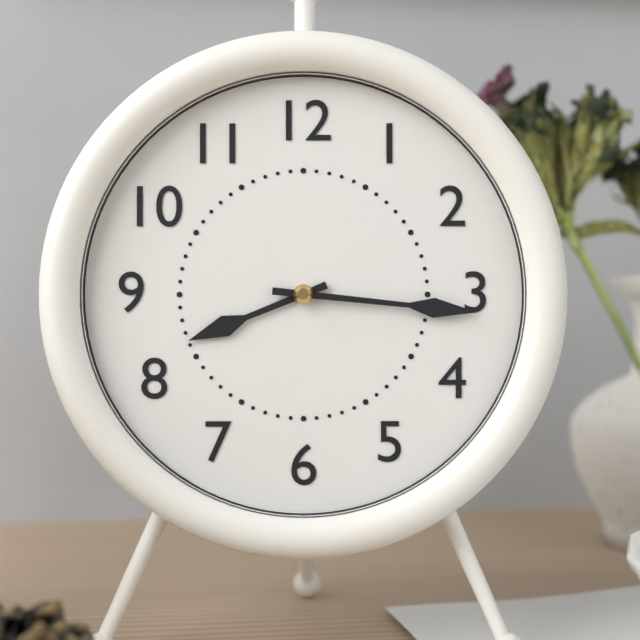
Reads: 8.16
